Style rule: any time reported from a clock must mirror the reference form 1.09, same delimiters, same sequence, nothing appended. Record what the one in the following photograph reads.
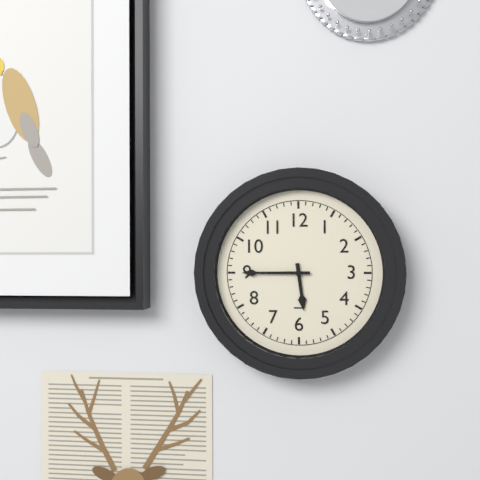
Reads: 5.45
